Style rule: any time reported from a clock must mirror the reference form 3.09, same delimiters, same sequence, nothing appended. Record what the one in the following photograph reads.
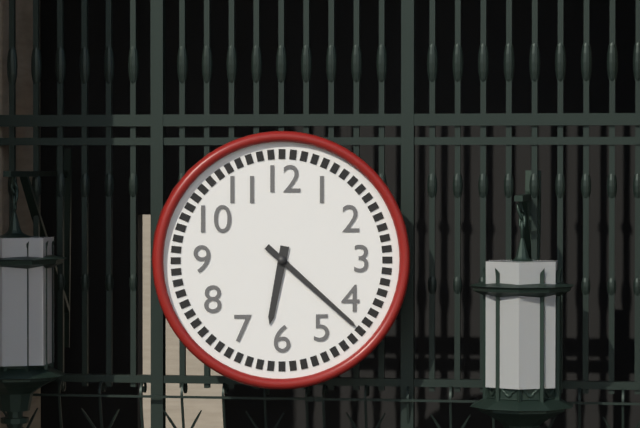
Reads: 6.22
